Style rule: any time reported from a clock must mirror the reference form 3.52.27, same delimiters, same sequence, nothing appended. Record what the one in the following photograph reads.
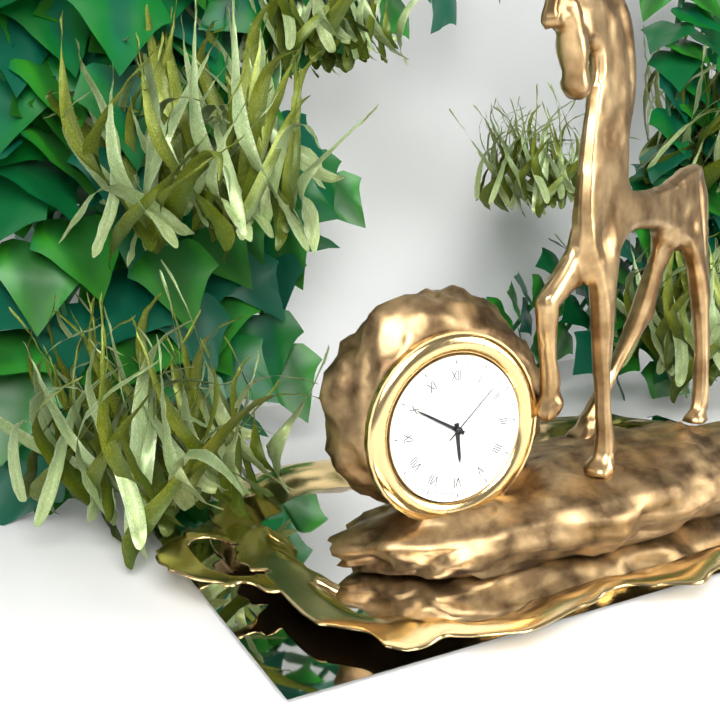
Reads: 5.50.08
